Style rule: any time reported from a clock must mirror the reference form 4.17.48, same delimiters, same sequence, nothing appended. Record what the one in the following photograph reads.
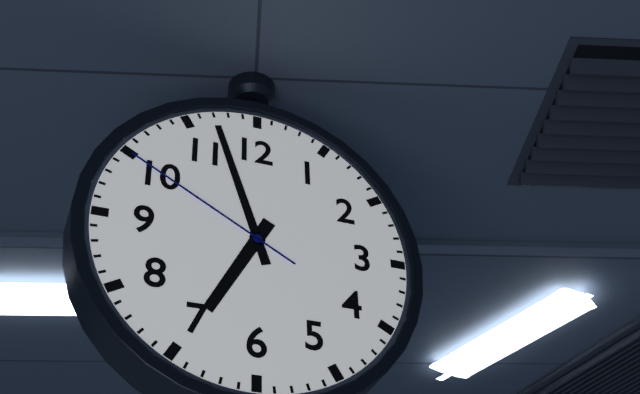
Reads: 6.57.50
